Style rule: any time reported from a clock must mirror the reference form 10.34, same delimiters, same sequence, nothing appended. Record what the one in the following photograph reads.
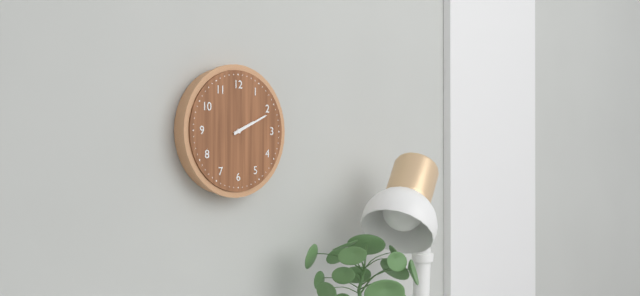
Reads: 2.11
